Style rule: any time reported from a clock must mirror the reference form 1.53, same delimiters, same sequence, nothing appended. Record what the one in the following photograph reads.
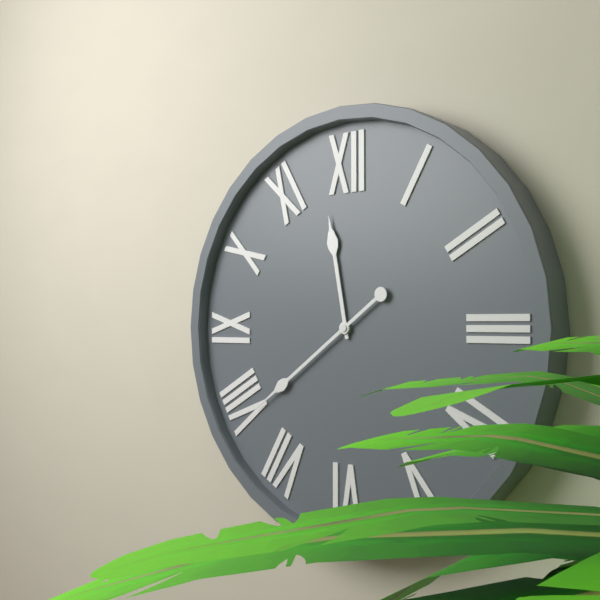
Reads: 11.39
